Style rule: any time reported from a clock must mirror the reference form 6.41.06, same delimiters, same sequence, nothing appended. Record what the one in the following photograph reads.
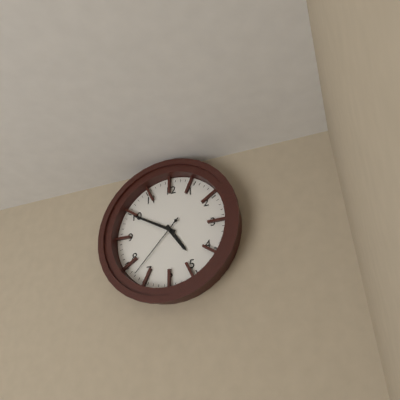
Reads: 4.50.37
